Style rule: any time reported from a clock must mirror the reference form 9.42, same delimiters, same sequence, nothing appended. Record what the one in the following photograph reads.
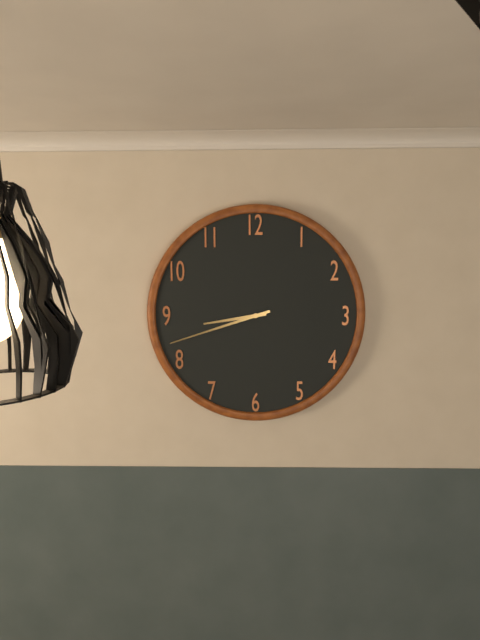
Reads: 8.42
